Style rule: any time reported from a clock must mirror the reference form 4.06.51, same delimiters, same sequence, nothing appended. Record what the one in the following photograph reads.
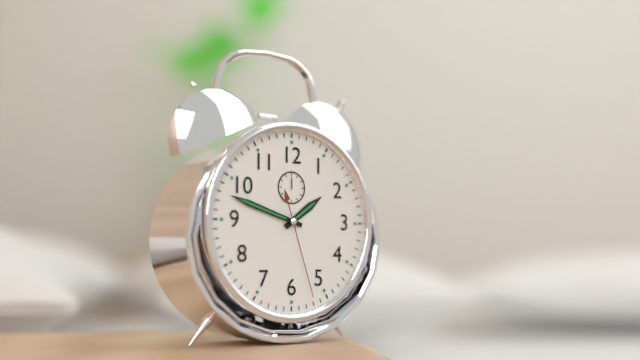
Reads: 1.48.27
